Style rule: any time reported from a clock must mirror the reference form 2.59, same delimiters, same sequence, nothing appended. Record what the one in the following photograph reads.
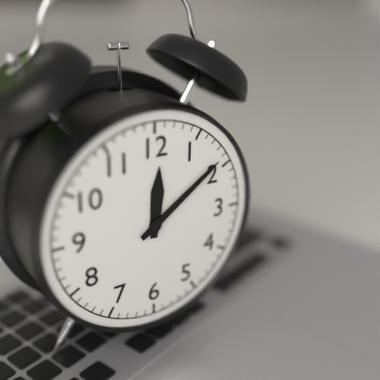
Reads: 12.09
